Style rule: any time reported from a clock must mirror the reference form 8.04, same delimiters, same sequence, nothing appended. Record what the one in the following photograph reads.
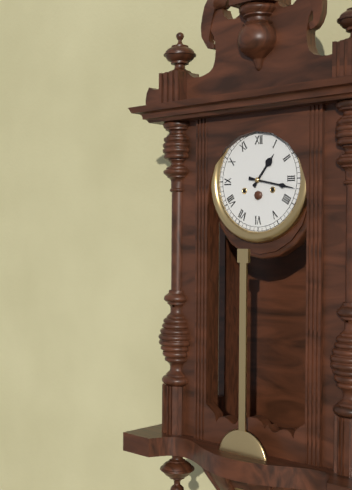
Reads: 1.17
